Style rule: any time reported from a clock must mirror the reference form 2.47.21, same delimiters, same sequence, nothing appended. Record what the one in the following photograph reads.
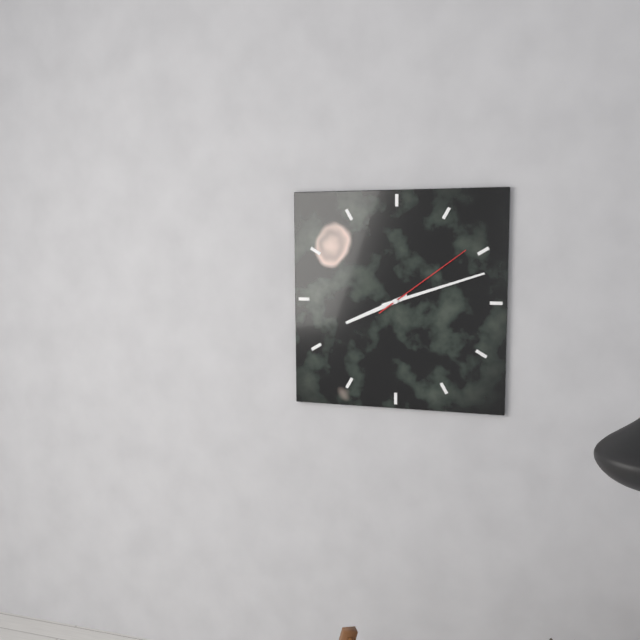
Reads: 8.12.09
